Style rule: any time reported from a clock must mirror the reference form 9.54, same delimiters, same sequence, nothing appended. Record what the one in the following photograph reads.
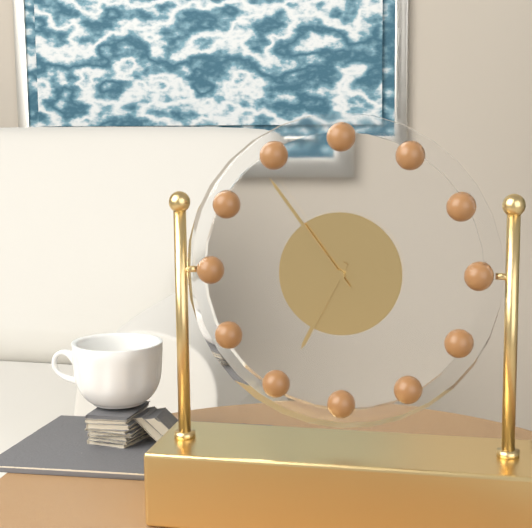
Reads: 6.54
